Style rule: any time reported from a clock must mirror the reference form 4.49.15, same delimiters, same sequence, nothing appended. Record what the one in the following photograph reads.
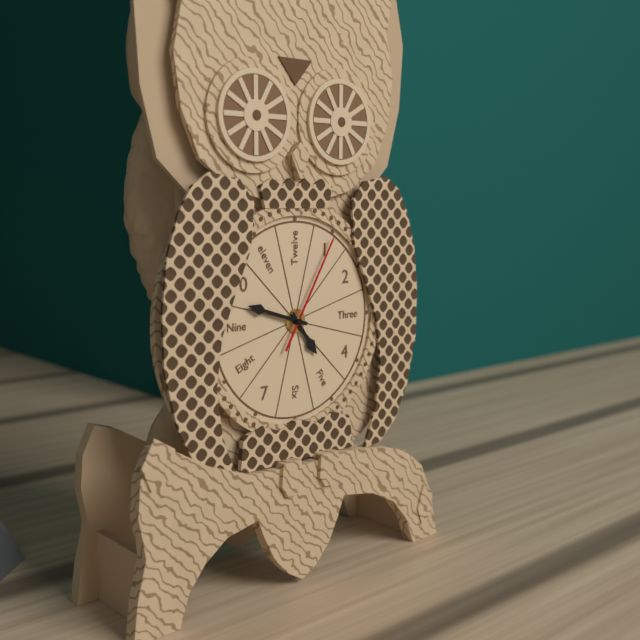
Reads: 4.48.05
